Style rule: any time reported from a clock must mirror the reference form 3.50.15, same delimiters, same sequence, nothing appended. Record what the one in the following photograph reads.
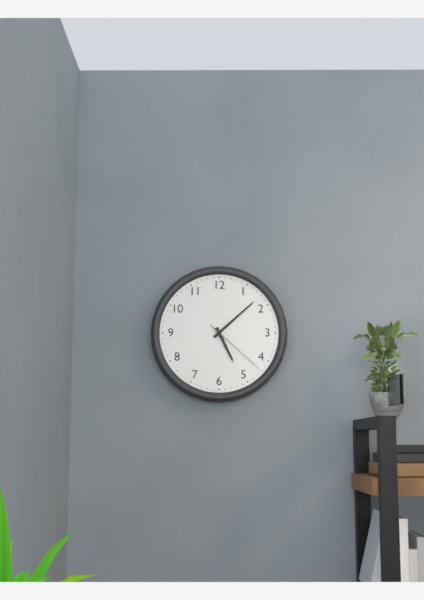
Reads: 5.08.22
